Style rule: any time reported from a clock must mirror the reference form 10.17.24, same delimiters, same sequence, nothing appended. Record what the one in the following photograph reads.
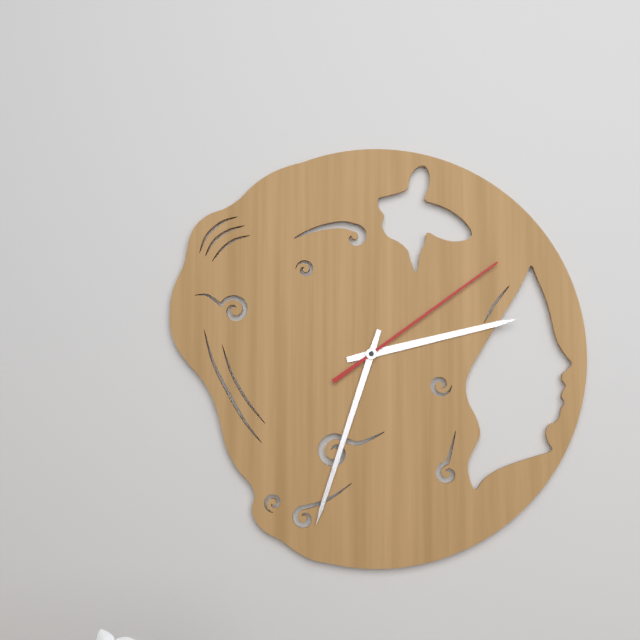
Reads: 2.33.09
